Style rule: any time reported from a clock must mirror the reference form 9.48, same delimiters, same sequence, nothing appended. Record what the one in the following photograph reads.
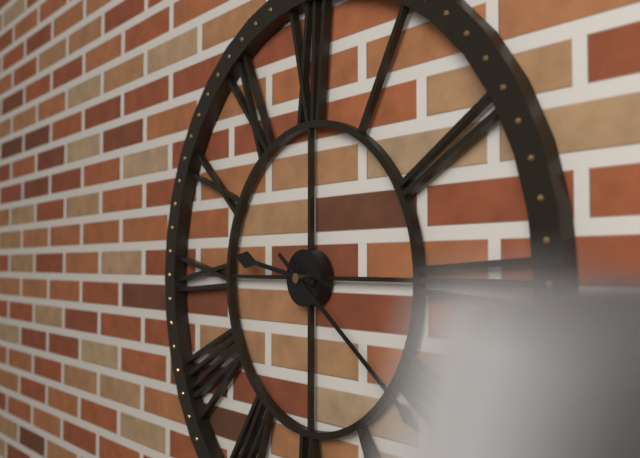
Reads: 9.21
